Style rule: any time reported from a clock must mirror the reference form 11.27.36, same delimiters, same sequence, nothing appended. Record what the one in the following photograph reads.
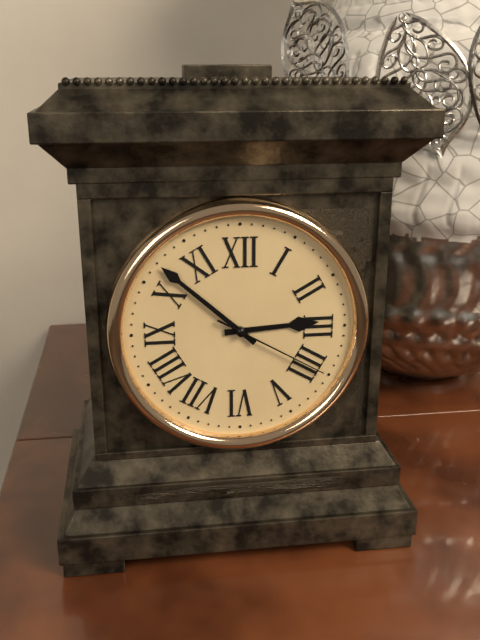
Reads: 2.52.20
